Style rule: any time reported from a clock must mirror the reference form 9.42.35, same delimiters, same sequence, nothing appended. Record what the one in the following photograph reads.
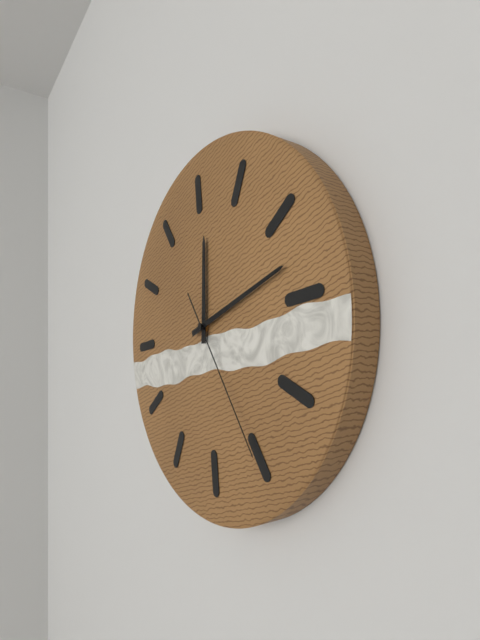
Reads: 12.13.25
